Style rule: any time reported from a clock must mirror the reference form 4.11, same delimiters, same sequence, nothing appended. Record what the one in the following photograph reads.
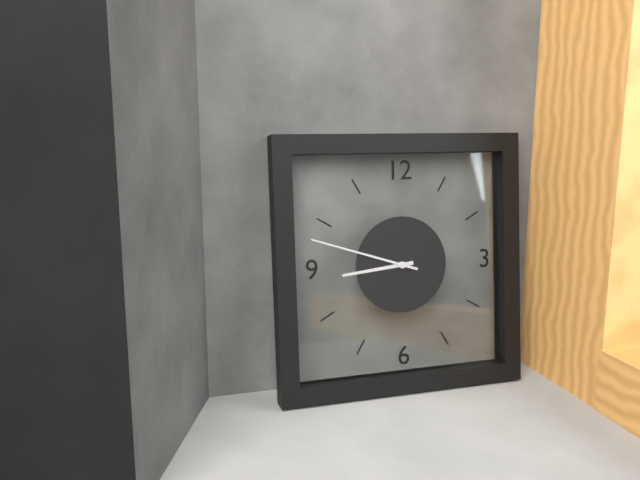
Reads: 8.48
